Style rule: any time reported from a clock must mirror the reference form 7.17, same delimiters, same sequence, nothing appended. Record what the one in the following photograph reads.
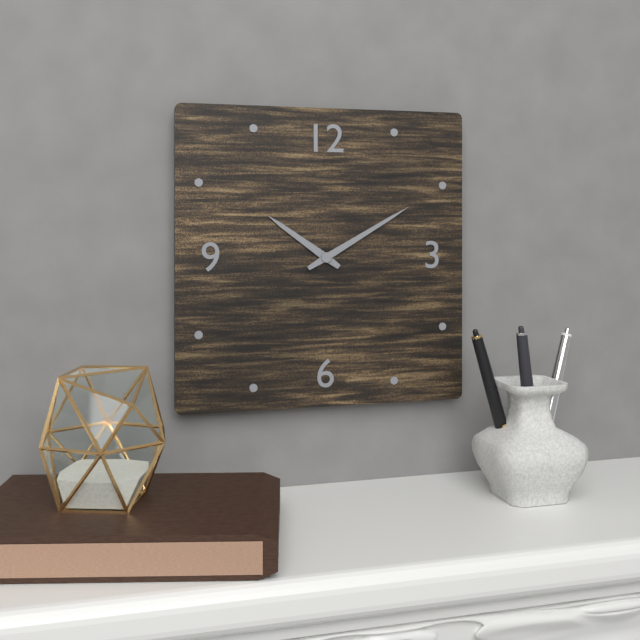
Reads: 10.10
